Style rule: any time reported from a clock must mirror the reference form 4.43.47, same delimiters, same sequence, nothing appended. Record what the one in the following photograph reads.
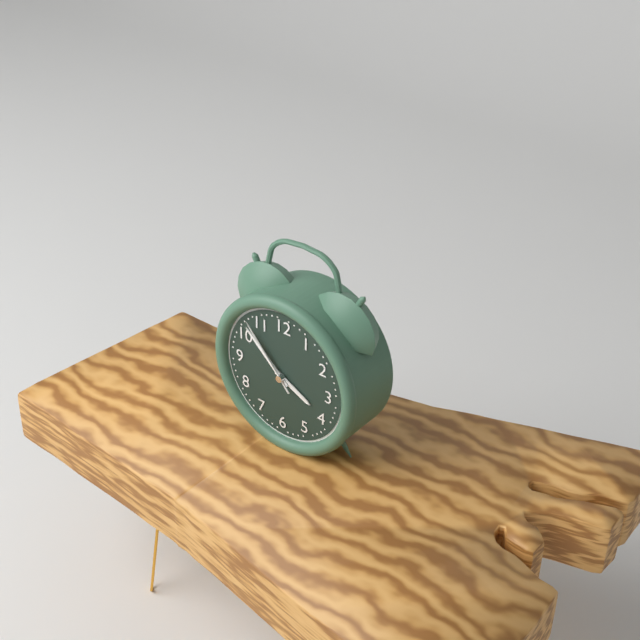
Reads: 3.52.53
